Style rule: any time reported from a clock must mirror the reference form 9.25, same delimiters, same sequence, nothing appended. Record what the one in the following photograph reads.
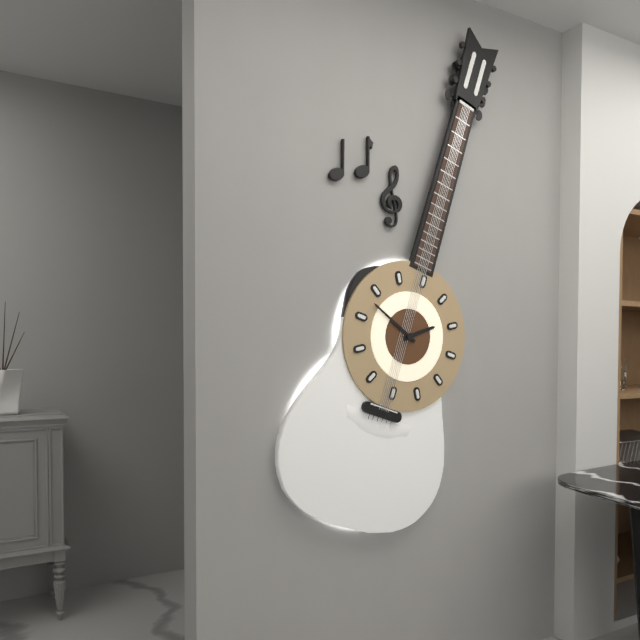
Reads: 1.48
